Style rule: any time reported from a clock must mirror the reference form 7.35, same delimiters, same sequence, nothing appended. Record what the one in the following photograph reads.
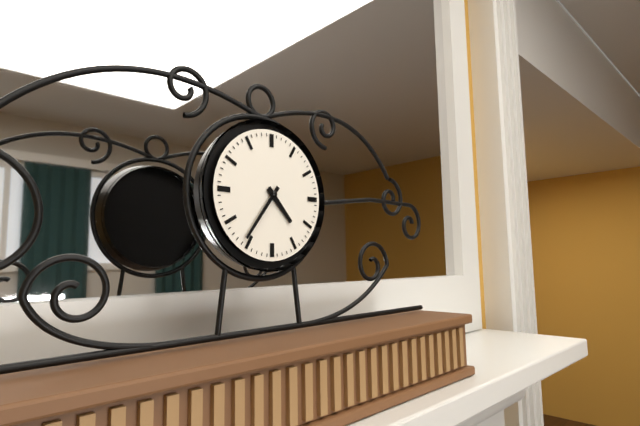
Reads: 4.36
